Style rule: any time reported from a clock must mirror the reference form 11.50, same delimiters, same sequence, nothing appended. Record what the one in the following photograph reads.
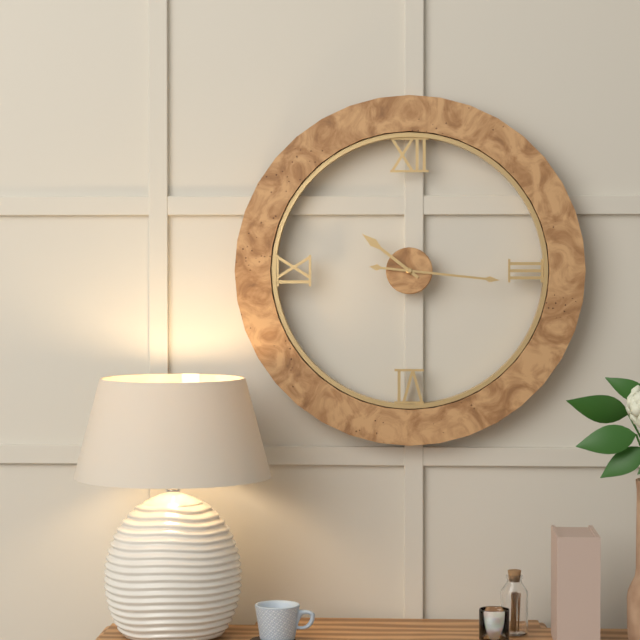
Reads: 10.16
